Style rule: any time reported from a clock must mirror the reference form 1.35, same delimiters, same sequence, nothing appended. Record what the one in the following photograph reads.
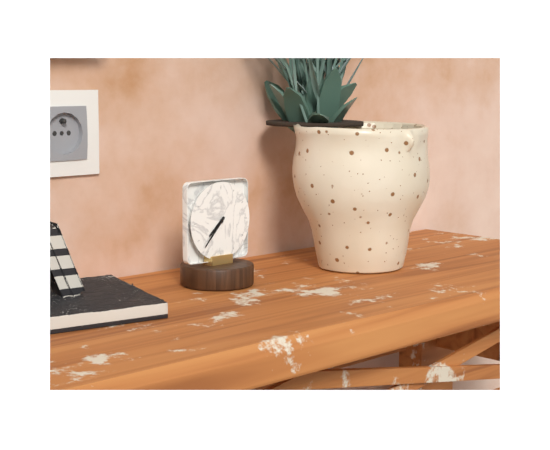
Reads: 7.37
